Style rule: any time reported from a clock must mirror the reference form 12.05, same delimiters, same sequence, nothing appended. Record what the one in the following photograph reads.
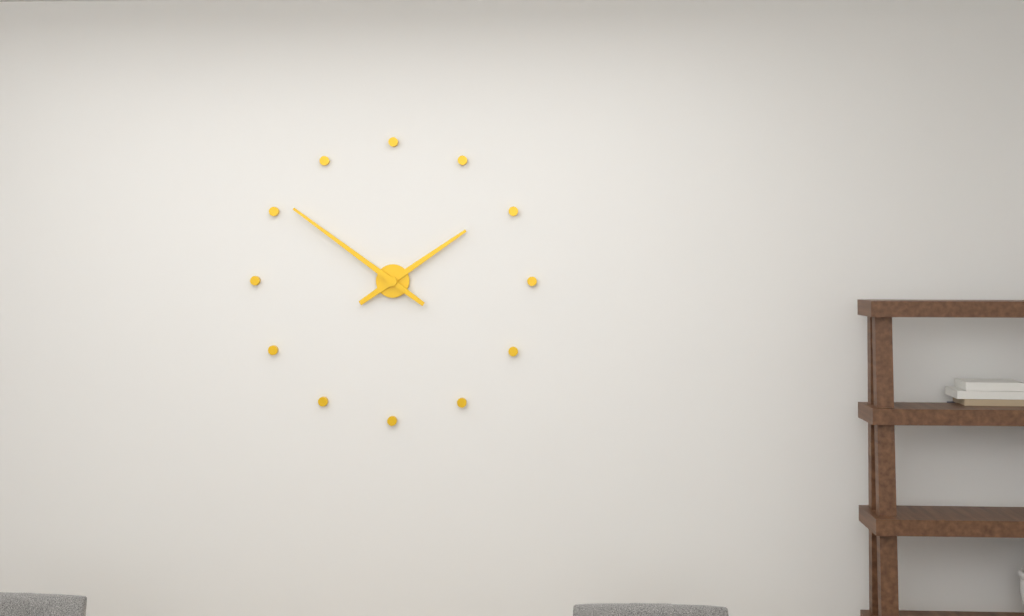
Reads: 1.51
